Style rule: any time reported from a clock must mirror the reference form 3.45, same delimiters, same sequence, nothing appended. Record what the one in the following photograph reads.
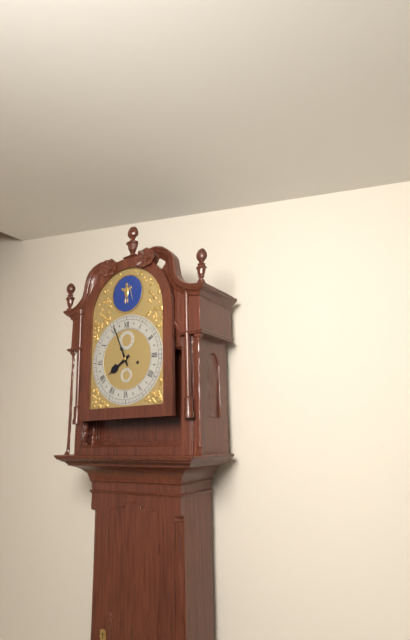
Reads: 7.56
